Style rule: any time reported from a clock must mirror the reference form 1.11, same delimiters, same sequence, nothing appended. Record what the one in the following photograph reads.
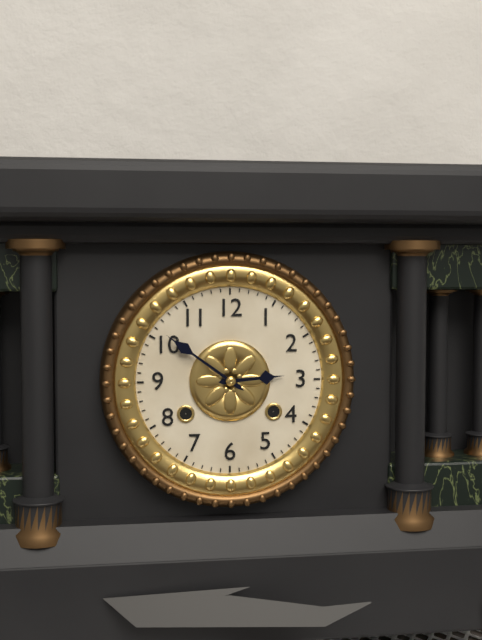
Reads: 2.51
